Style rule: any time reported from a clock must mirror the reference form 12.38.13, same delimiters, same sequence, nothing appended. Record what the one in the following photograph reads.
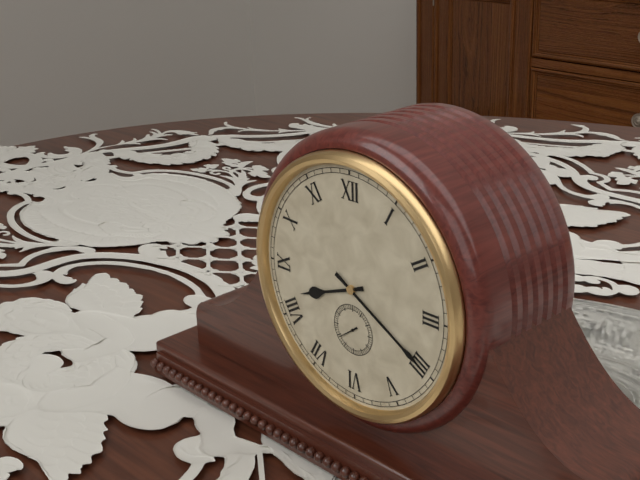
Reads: 8.20.39
